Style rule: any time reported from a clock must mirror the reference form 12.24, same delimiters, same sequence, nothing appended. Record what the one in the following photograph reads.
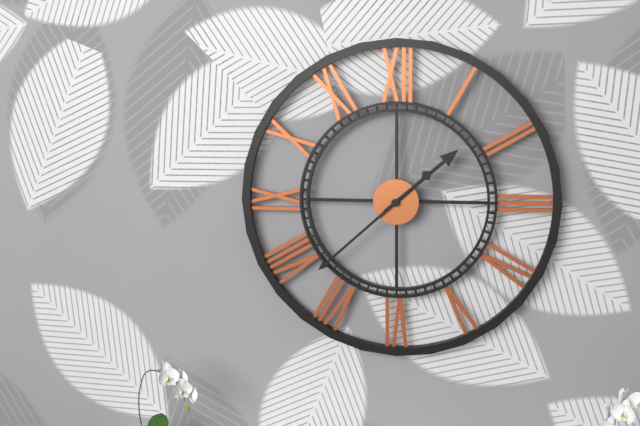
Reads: 1.38
